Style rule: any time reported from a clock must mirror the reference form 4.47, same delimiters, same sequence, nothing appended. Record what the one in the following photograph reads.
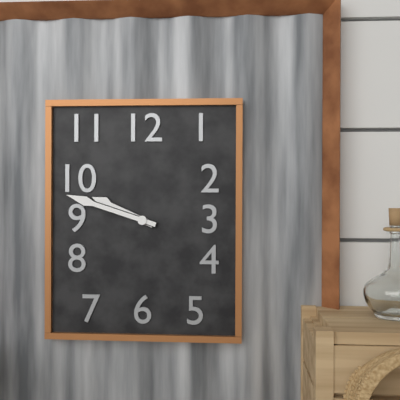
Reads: 9.48
